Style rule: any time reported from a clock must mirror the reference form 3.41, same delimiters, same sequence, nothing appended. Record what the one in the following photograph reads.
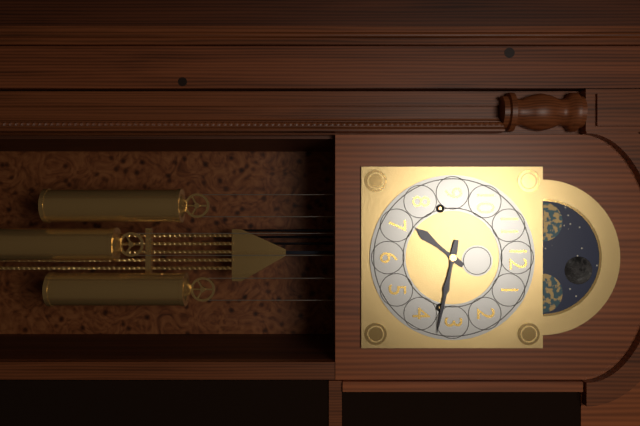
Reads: 7.17
